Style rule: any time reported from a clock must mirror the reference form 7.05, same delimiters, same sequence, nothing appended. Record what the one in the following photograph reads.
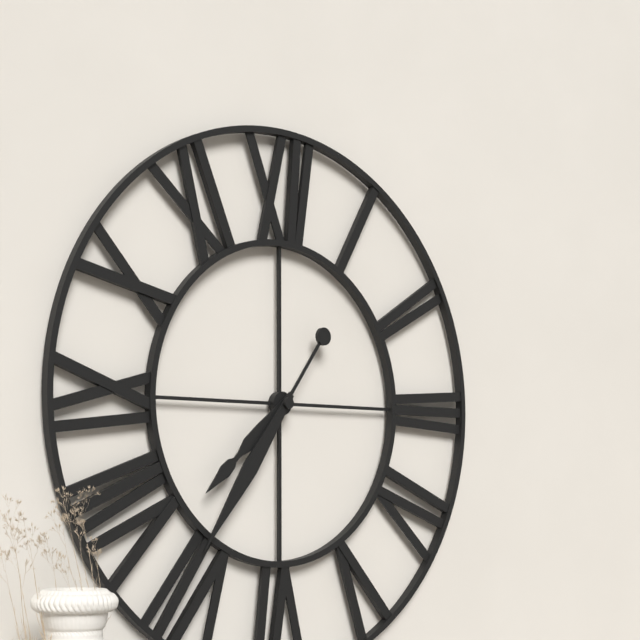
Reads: 7.36
